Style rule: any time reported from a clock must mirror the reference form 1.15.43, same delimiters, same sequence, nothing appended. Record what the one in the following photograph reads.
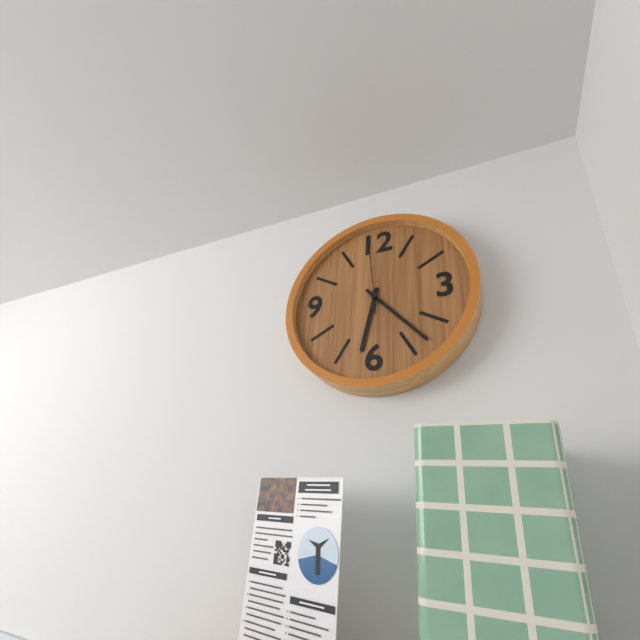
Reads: 6.23.59
